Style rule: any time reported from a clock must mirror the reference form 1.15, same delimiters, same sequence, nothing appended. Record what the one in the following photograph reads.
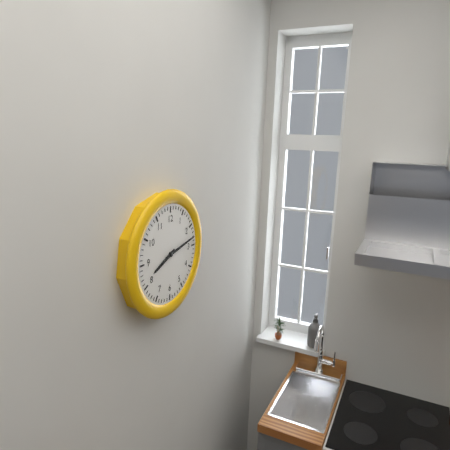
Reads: 8.13
